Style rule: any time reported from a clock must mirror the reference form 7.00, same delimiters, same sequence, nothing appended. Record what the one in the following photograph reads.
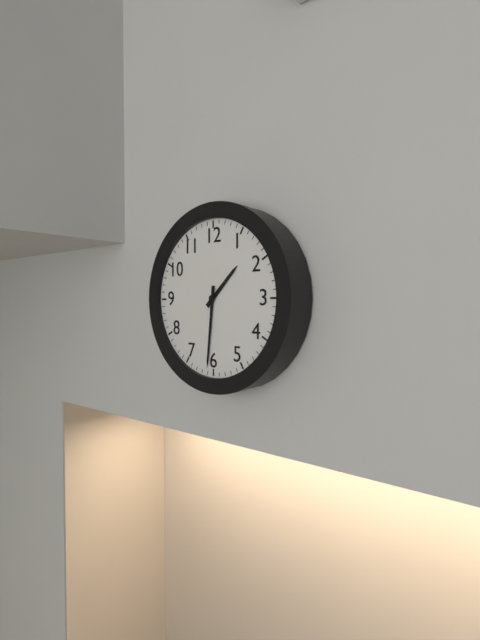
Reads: 1.31
